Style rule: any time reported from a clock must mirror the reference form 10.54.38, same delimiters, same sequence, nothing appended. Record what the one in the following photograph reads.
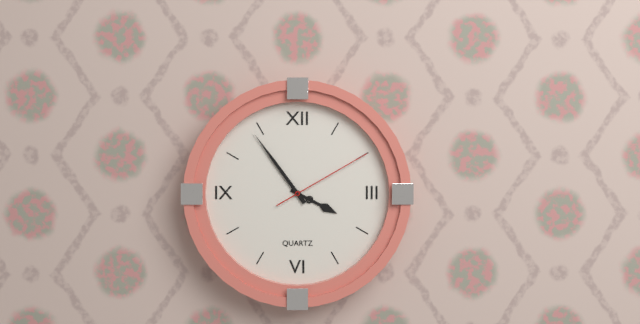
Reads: 3.54.10
